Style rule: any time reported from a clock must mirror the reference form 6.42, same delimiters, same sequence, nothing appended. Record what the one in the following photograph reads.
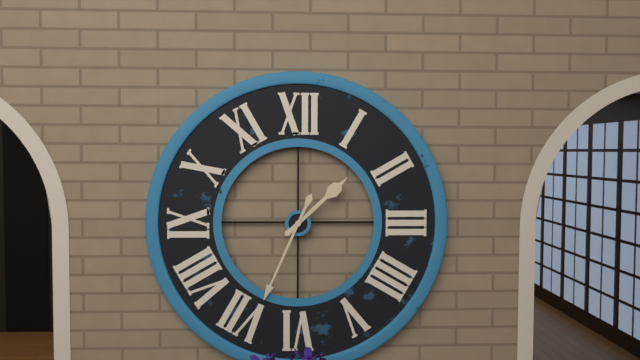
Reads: 1.34
